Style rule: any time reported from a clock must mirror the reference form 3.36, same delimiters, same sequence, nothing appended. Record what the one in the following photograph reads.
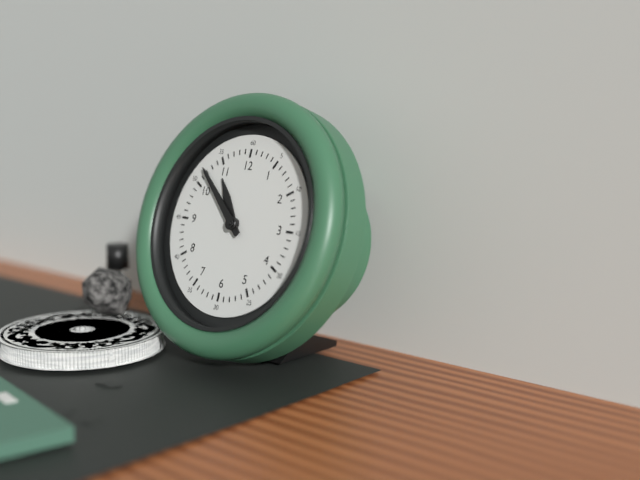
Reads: 10.52
